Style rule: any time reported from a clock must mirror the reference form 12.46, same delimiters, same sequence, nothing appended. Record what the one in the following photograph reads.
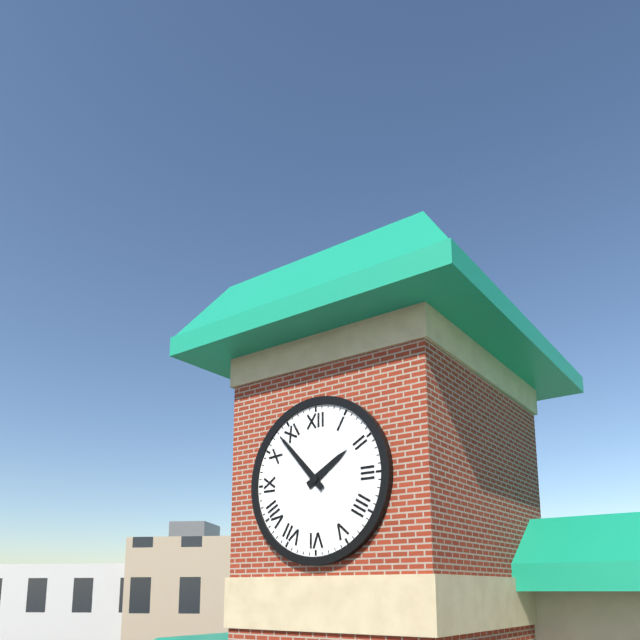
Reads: 1.53
